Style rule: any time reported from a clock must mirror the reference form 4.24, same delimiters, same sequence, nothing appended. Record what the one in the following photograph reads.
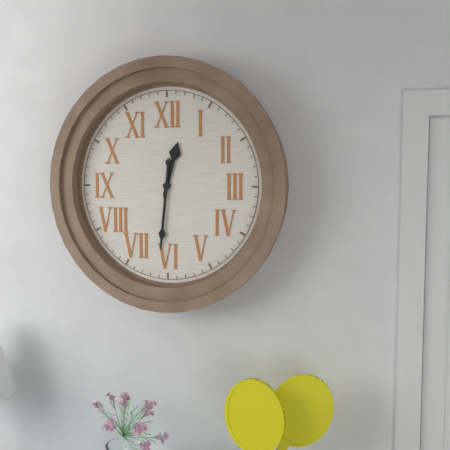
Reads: 12.31
